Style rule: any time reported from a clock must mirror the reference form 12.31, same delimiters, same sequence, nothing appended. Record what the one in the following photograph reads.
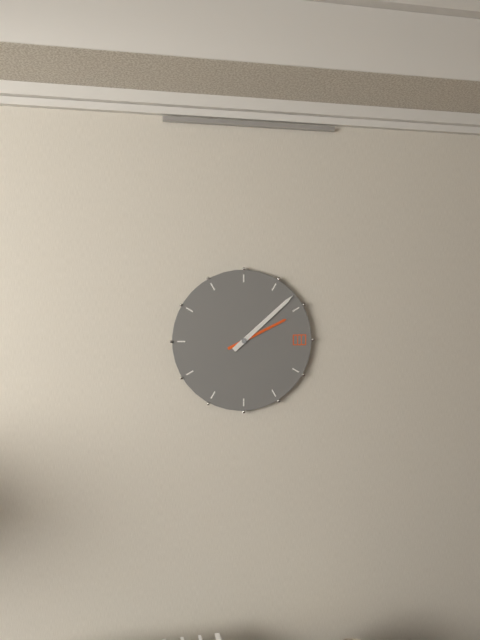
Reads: 2.08
